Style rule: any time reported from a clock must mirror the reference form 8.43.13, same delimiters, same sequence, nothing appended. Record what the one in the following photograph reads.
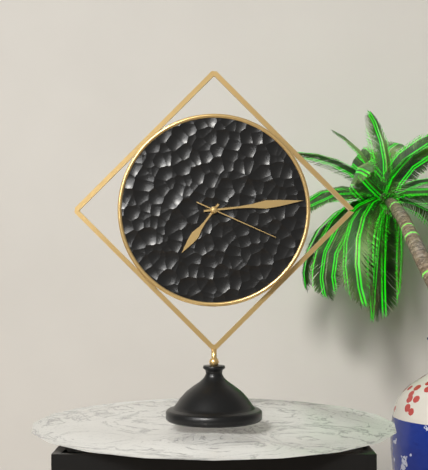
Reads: 7.14.19
